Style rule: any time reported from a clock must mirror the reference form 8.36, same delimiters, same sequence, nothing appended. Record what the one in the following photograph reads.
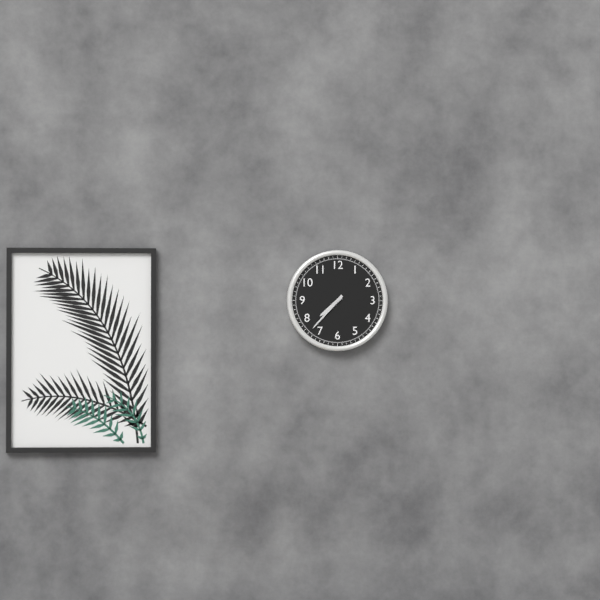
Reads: 7.37
